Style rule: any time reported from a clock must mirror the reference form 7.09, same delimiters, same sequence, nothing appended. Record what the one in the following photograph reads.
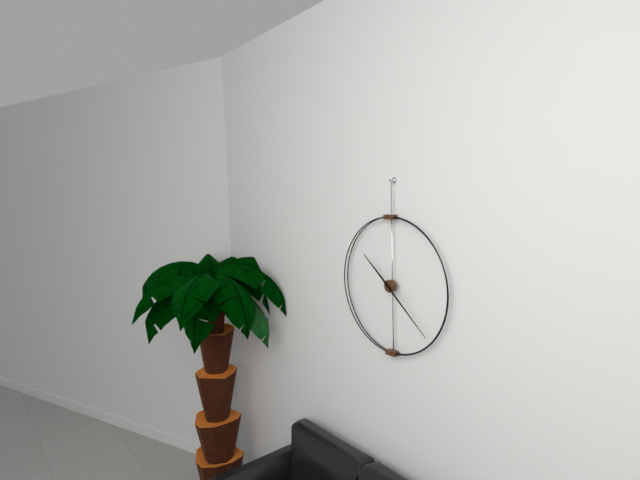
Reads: 10.22
